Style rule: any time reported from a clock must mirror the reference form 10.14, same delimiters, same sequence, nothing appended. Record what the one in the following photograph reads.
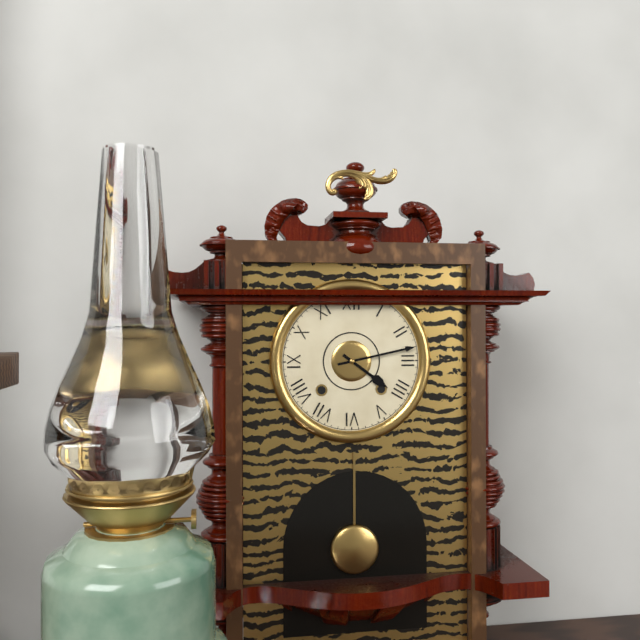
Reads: 4.13
